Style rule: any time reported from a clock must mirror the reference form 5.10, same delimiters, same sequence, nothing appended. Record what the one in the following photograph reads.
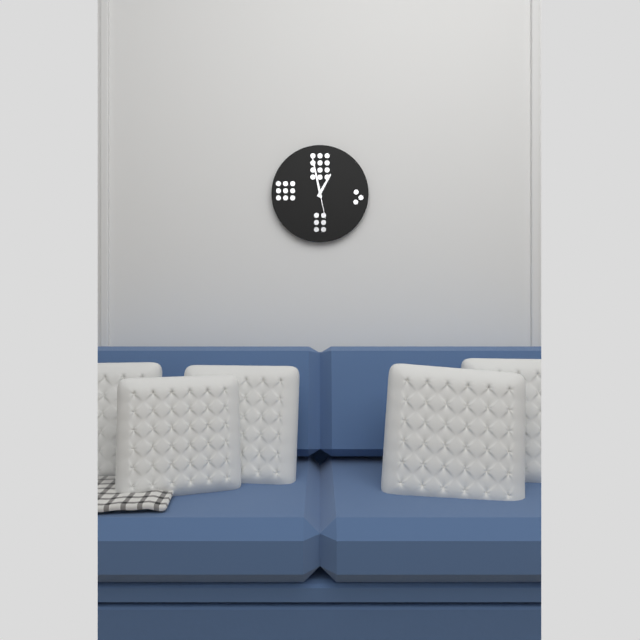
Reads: 12.58
